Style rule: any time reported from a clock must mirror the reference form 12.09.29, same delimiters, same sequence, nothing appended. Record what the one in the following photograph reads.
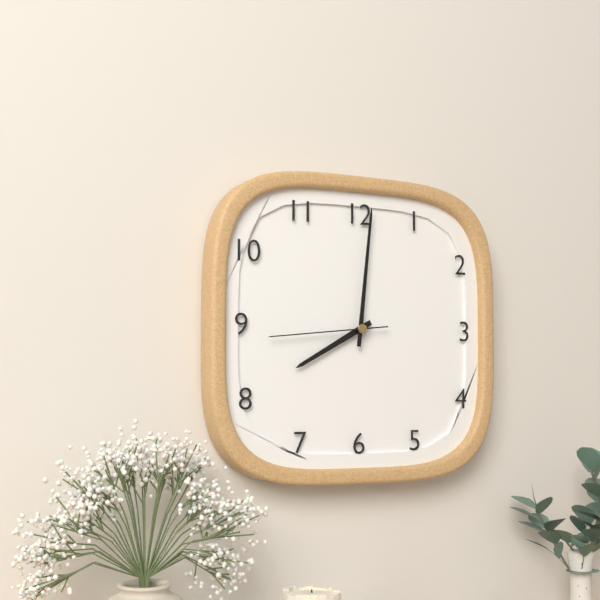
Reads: 8.01.44
